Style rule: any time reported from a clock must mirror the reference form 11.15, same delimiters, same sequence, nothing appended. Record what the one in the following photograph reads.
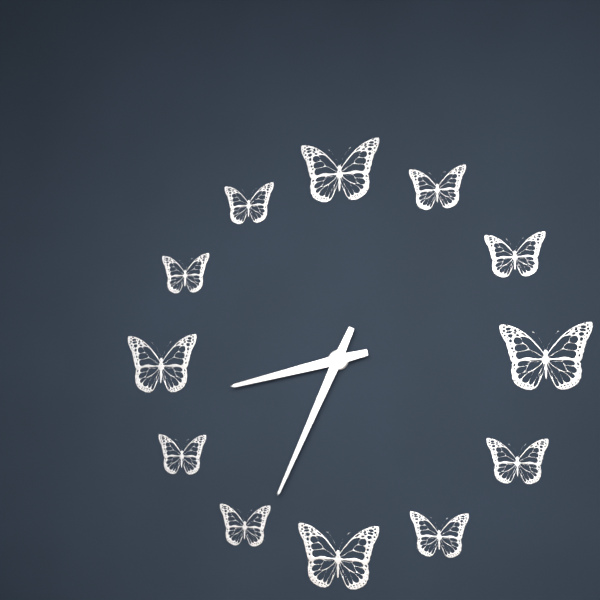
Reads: 8.34
